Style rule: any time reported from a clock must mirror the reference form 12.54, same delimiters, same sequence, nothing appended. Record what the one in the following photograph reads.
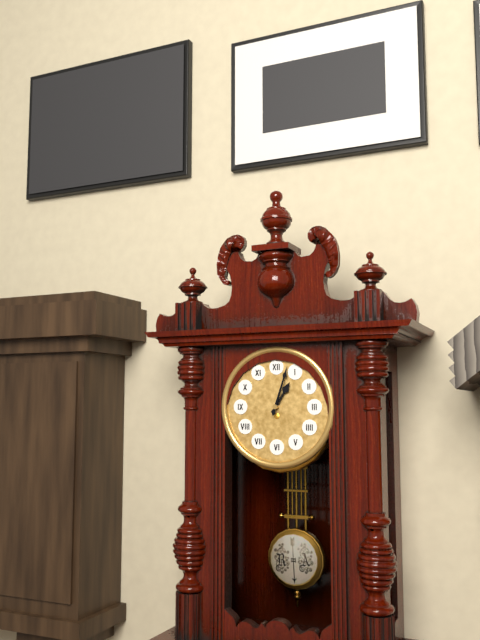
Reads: 1.03
